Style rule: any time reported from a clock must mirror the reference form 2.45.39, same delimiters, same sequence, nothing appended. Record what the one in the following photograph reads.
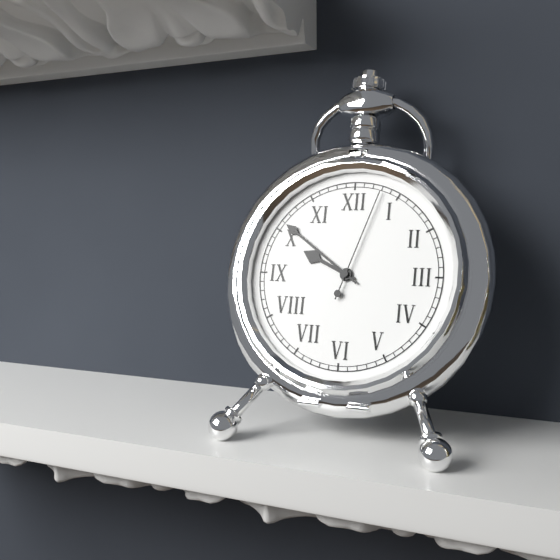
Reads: 9.51.03
